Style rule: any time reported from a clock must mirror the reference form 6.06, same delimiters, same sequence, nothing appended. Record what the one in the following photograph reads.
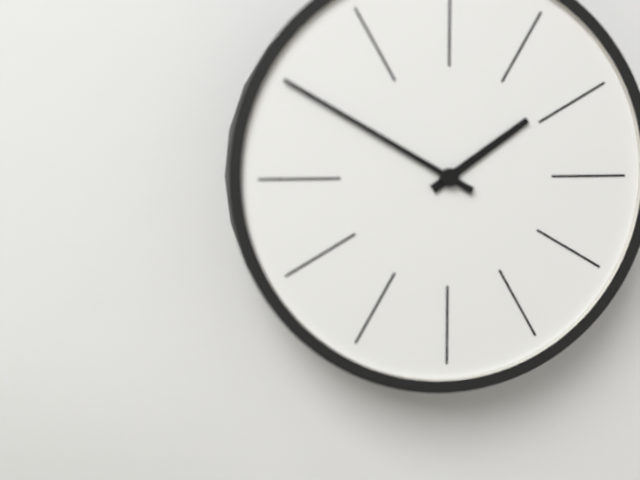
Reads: 1.50
